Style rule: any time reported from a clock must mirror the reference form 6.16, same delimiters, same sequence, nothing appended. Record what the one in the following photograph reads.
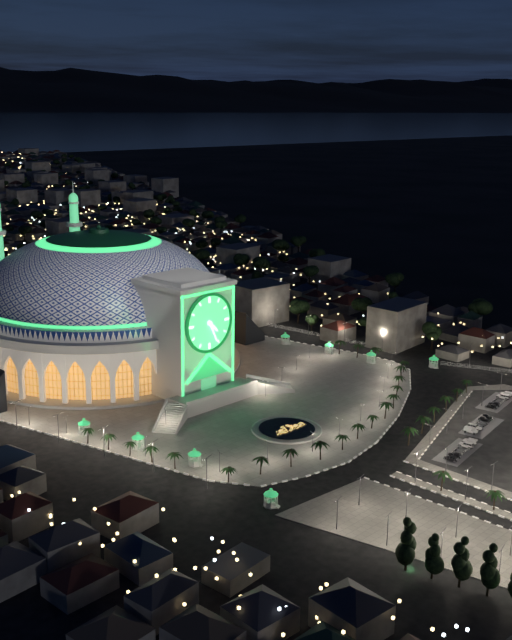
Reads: 4.26
